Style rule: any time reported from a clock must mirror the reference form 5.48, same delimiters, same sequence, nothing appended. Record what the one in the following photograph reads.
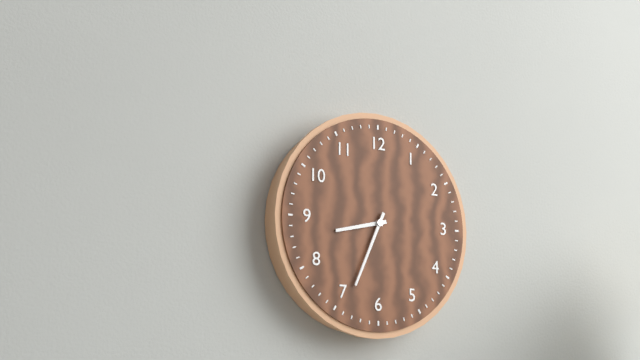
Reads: 8.34
